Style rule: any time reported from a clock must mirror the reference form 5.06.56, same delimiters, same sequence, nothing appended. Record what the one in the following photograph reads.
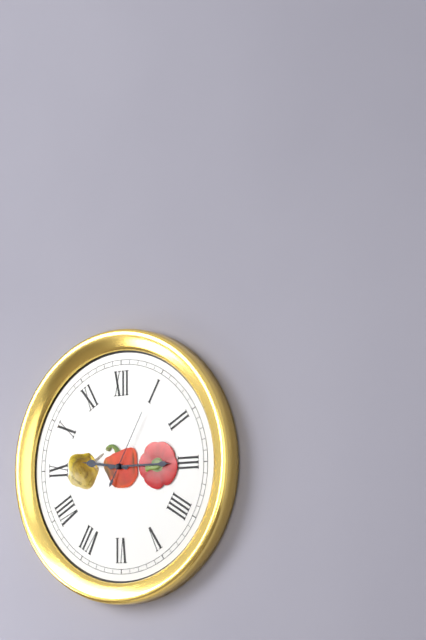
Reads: 9.15.05
